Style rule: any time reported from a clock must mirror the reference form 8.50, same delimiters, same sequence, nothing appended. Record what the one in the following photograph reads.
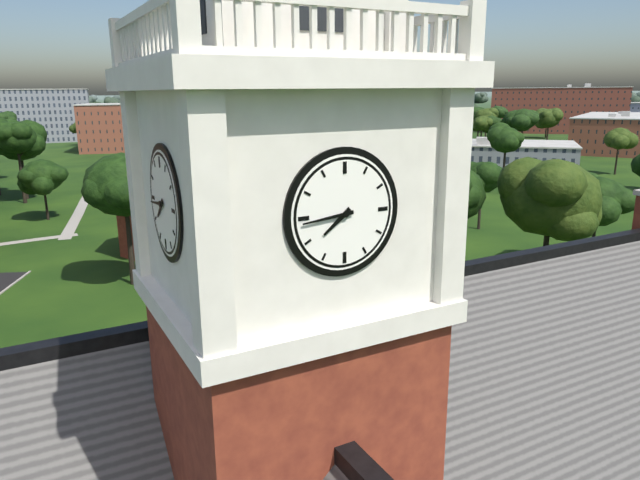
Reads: 7.44
